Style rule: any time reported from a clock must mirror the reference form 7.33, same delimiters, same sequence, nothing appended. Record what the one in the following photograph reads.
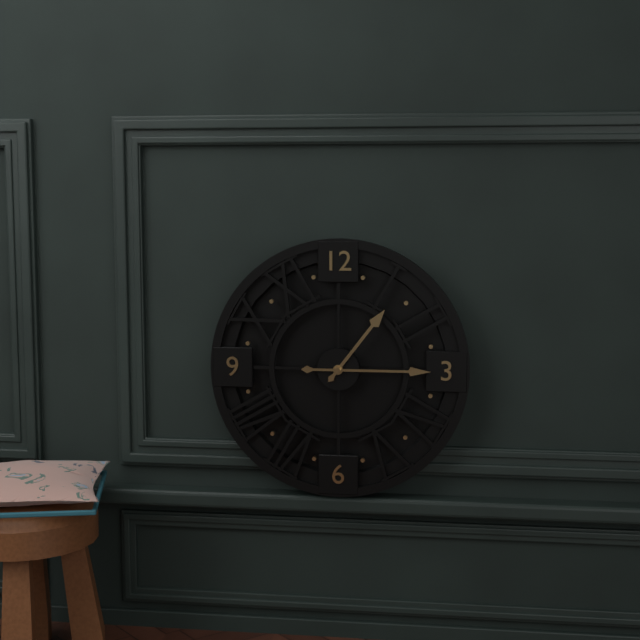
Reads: 1.15
